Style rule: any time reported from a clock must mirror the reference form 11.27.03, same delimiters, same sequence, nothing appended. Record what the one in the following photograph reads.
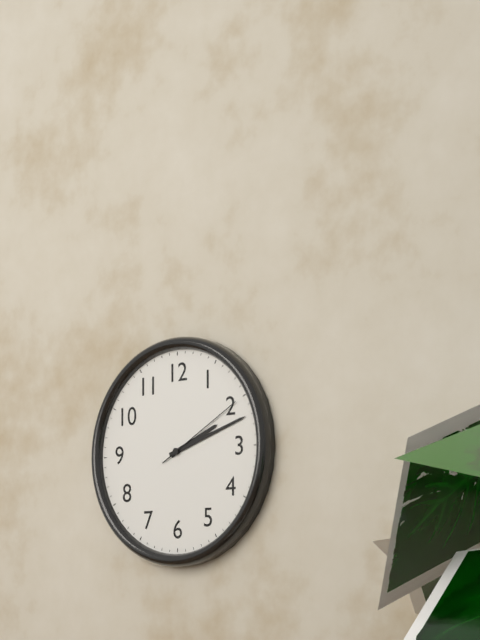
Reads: 2.12.10
